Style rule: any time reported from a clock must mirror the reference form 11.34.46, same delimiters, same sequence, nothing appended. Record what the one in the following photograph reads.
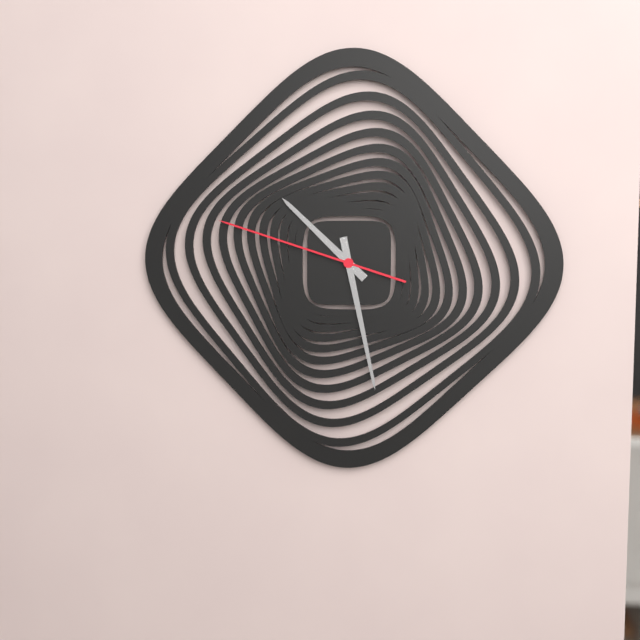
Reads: 10.28.48
